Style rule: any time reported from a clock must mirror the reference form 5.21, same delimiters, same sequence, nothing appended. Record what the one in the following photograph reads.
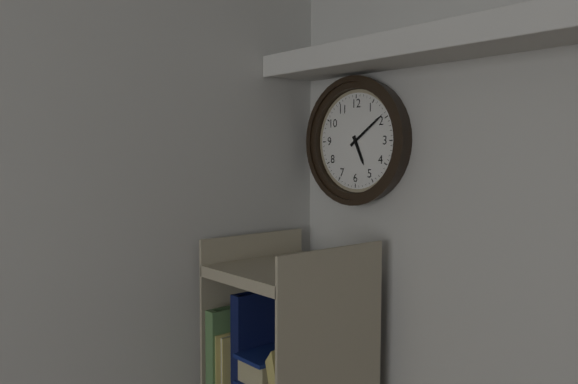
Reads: 5.09
